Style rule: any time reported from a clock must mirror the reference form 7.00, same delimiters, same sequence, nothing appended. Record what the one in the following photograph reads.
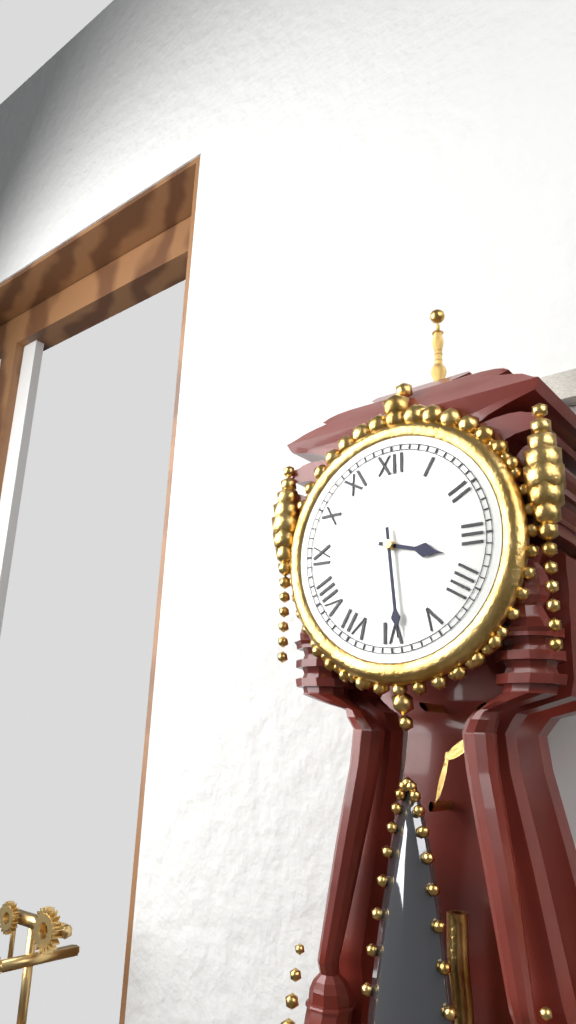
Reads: 3.29
